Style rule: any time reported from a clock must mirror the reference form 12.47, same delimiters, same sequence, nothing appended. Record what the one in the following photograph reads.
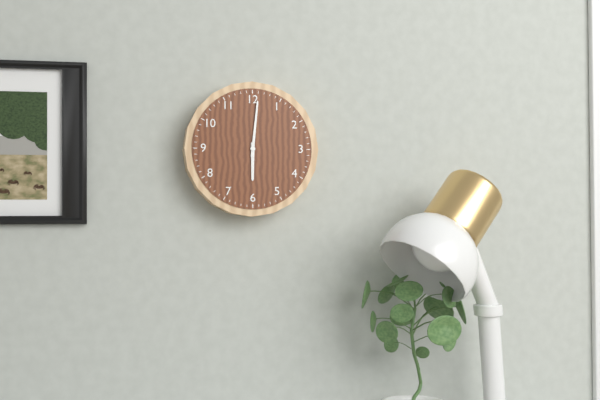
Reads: 6.01
